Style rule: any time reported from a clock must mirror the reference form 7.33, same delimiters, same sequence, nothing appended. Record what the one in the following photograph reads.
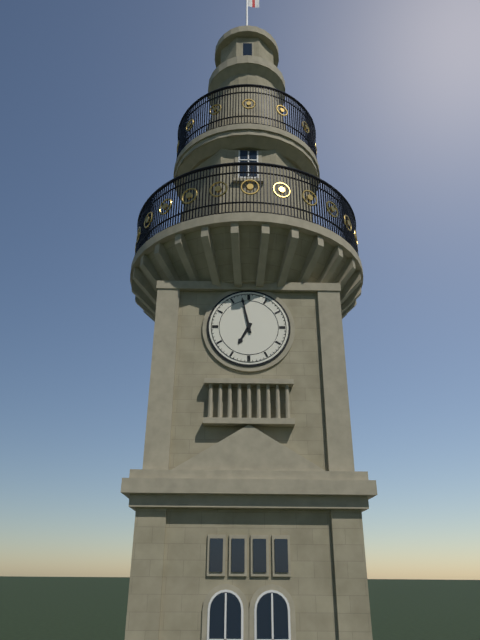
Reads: 6.58
